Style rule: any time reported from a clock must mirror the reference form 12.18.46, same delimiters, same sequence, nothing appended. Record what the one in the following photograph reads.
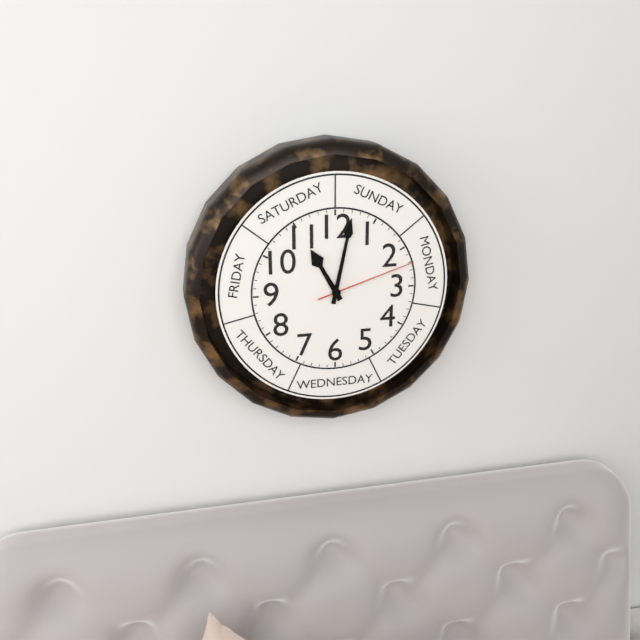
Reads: 11.02.12
